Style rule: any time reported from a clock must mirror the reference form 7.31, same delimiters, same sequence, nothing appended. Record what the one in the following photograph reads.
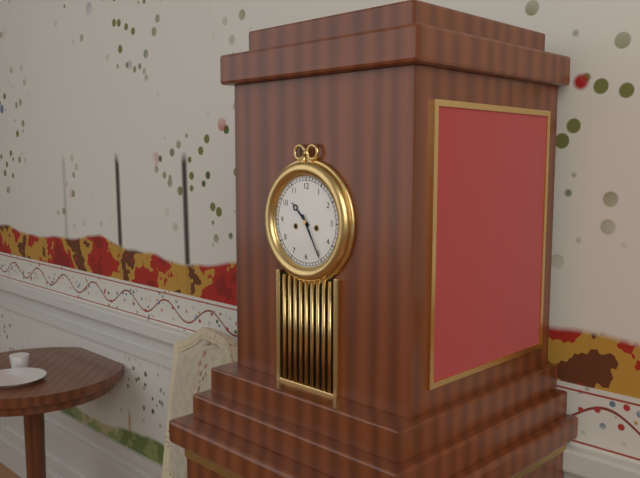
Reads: 10.25
